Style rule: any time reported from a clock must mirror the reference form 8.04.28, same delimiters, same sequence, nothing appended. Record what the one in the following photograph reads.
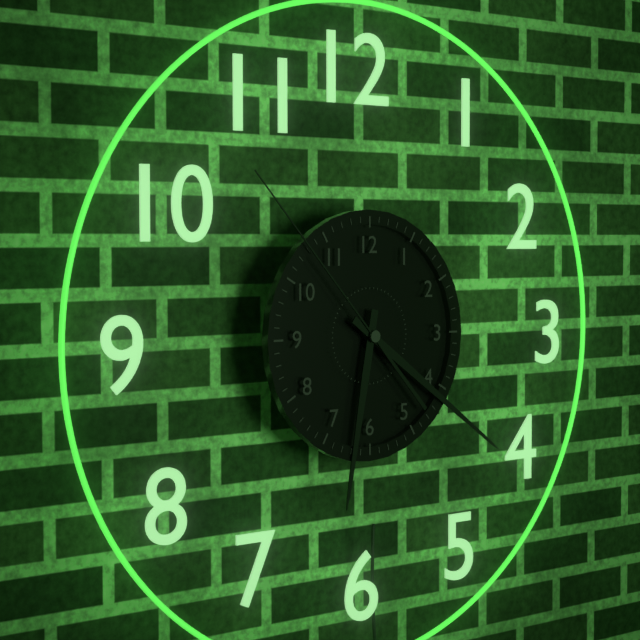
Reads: 6.21.53
